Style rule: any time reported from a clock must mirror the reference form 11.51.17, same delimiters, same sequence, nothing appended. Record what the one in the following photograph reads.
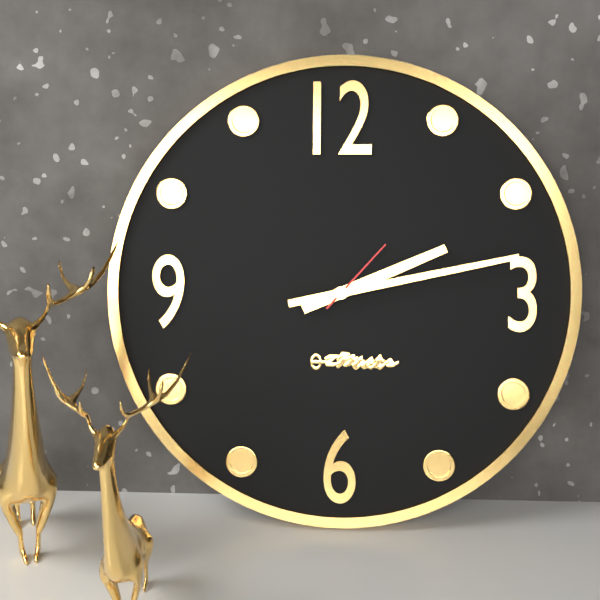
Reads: 2.13.07
